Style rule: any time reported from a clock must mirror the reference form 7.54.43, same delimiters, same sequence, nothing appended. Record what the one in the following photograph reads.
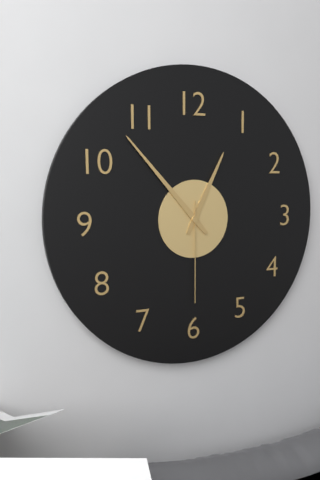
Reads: 12.53.30
